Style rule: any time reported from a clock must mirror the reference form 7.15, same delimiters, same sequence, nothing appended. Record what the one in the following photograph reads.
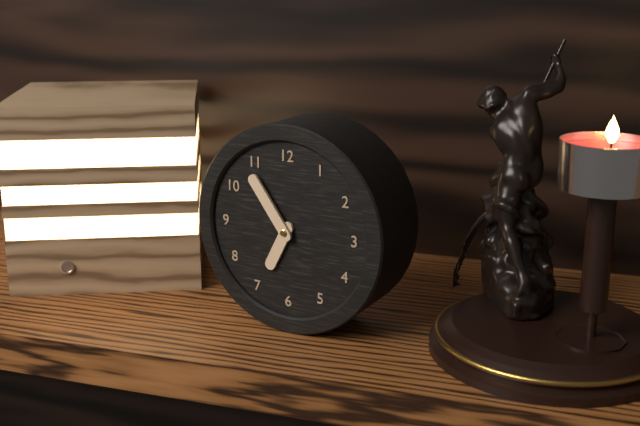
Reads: 6.54
